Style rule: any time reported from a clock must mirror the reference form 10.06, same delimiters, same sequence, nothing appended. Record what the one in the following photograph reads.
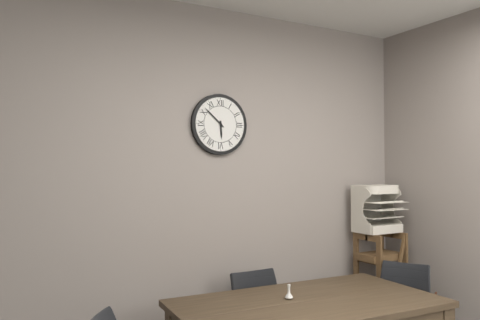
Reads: 5.52
